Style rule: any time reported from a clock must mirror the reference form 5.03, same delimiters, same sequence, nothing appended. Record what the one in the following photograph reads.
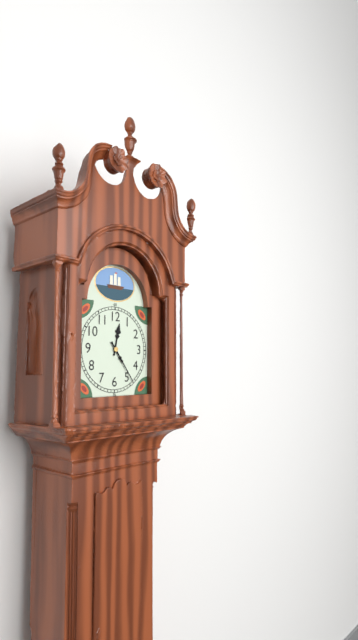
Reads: 12.24
